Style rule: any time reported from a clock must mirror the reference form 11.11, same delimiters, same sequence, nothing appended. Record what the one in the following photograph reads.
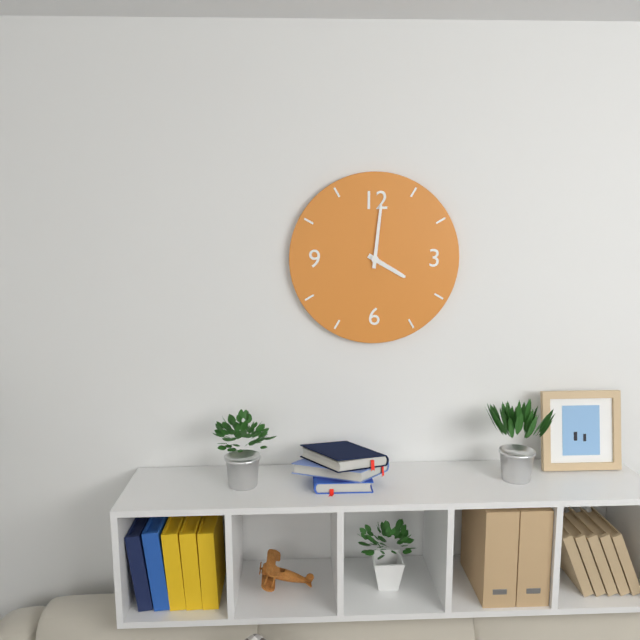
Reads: 4.01
